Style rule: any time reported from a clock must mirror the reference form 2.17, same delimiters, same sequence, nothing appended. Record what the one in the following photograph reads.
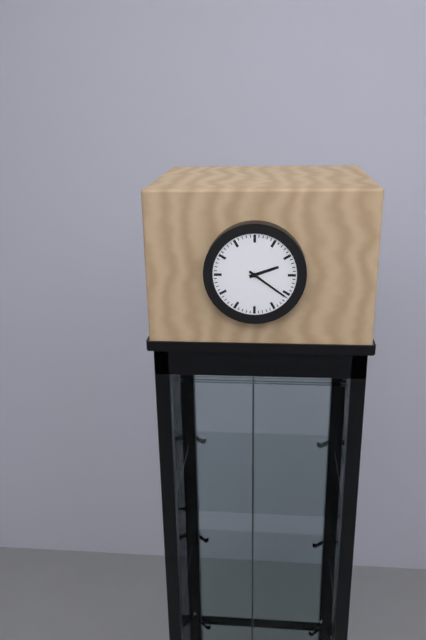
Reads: 2.21
